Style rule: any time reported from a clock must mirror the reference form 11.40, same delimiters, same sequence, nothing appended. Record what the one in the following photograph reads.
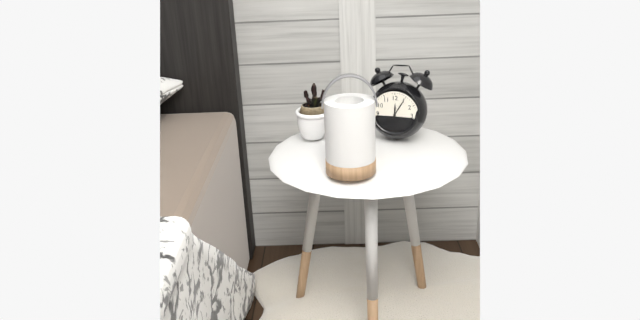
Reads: 12.05
